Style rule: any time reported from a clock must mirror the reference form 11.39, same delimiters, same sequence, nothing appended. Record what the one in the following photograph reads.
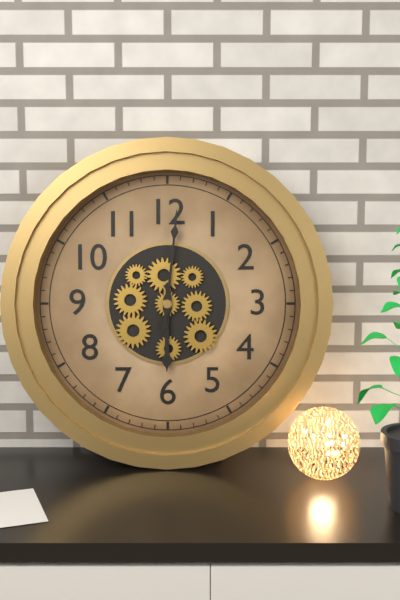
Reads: 6.01
